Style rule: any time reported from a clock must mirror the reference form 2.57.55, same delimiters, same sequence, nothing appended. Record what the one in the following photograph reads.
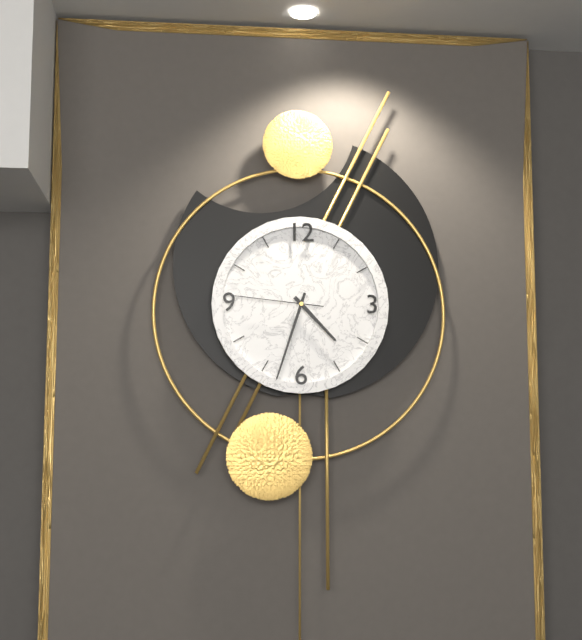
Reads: 4.33.46
